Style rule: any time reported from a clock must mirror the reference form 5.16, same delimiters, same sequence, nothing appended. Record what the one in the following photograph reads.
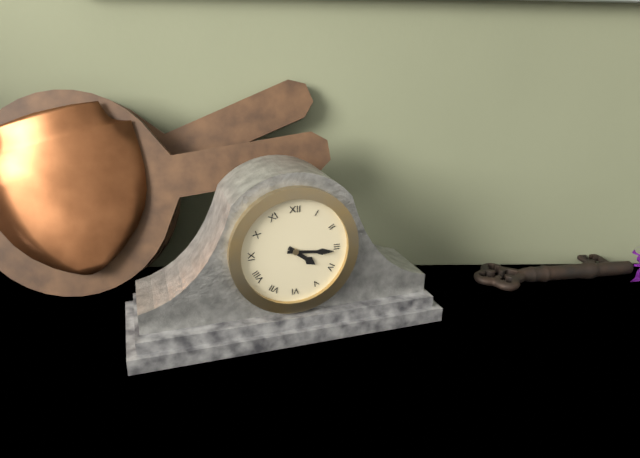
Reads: 4.16
